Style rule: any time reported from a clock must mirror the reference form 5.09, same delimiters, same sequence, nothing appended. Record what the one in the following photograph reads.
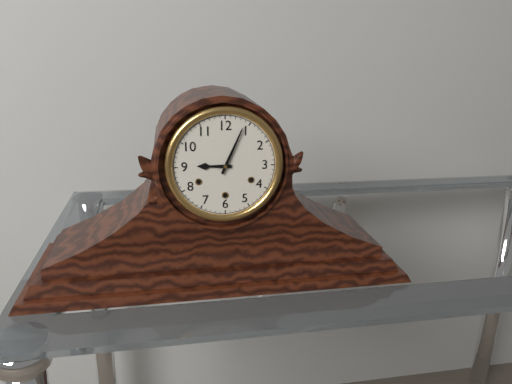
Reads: 9.04
